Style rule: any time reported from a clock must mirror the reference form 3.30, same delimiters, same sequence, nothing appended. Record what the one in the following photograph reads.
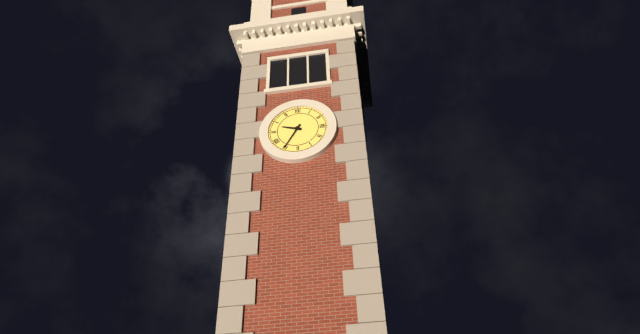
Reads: 9.35
